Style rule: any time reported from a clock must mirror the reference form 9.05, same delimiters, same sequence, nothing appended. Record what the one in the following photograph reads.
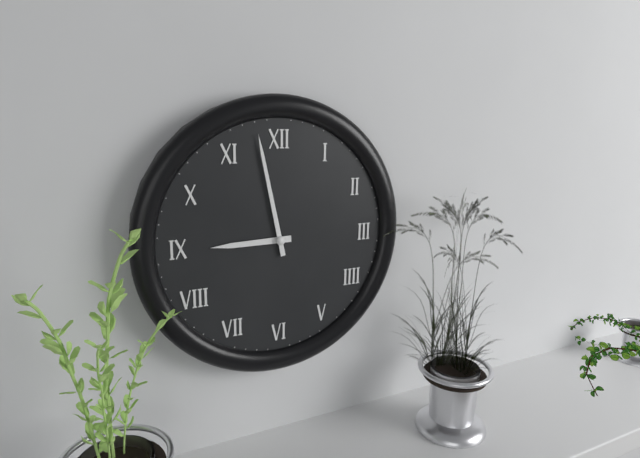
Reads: 8.58
